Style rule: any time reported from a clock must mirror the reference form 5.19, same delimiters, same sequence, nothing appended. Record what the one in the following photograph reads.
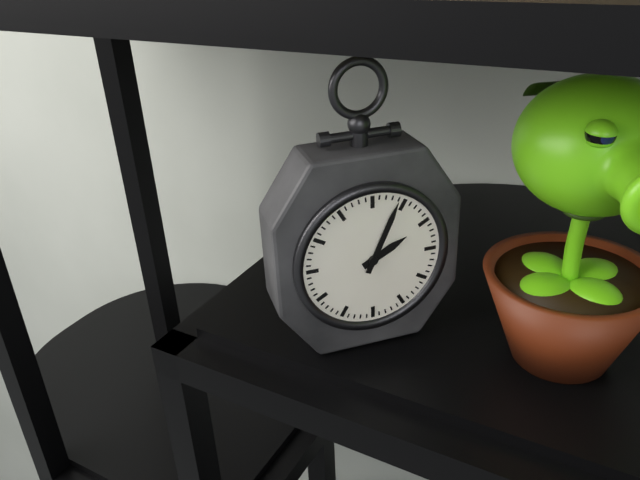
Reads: 2.04
